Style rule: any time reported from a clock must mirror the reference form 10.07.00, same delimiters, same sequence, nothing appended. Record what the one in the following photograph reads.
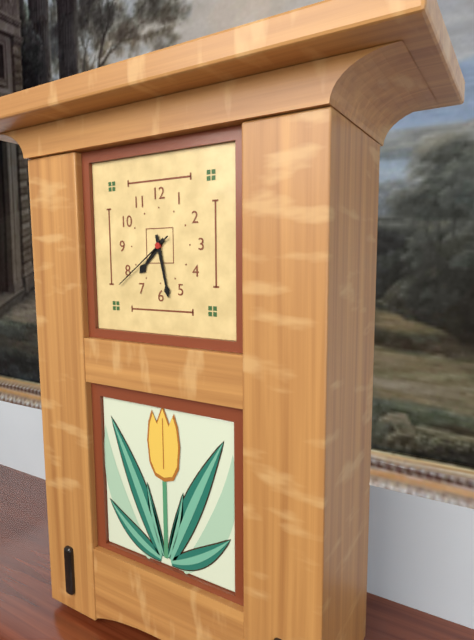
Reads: 7.28.39
